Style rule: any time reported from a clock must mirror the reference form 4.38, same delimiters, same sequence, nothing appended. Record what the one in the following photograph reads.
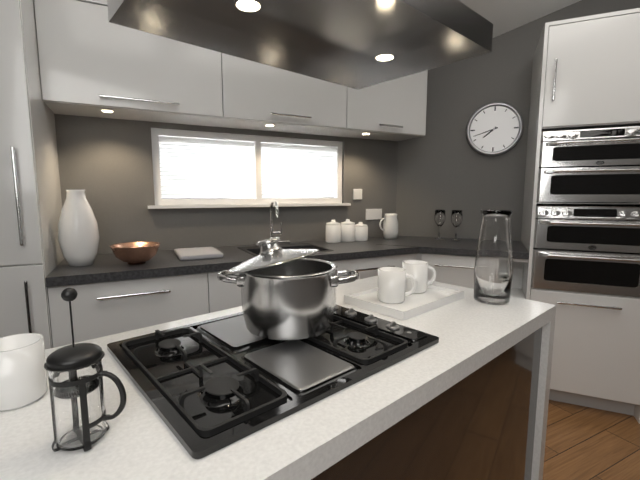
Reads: 7.42
